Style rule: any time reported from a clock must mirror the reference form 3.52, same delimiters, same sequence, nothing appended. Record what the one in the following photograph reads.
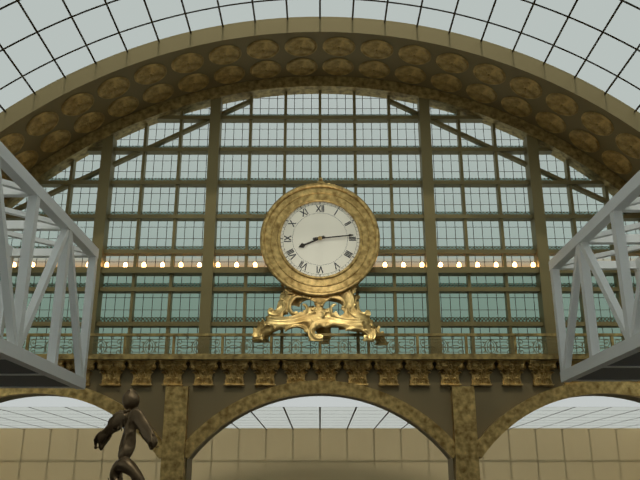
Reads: 8.14
